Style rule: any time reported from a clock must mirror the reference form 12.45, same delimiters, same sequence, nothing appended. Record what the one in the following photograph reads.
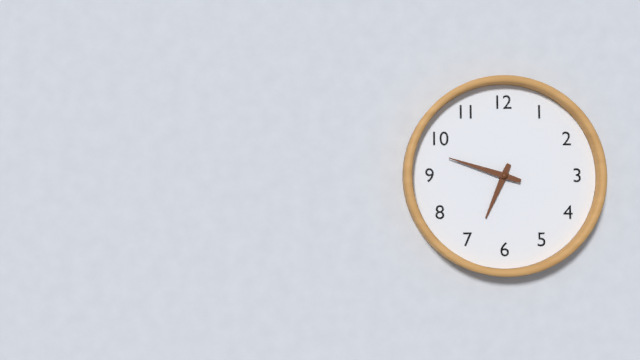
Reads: 6.48
